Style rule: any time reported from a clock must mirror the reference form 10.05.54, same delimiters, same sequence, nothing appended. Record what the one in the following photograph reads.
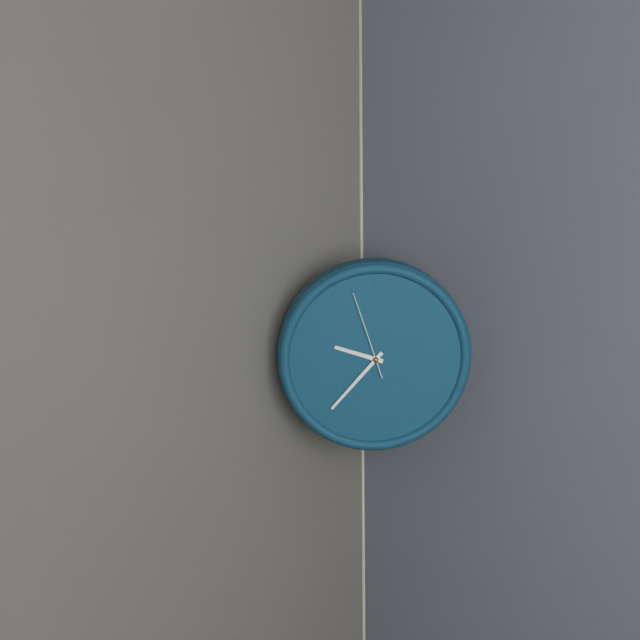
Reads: 9.37.57
